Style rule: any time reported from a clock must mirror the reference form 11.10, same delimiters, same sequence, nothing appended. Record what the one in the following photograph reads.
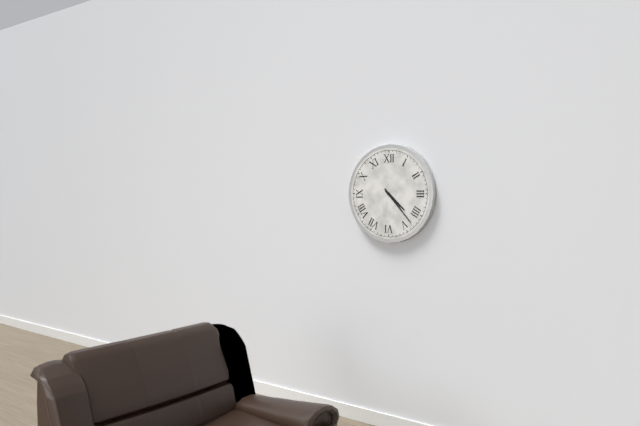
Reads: 4.23
